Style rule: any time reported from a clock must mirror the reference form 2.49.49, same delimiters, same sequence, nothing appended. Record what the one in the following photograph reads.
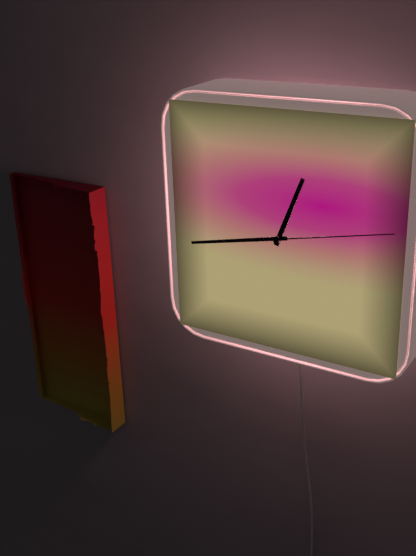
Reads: 12.43.13
